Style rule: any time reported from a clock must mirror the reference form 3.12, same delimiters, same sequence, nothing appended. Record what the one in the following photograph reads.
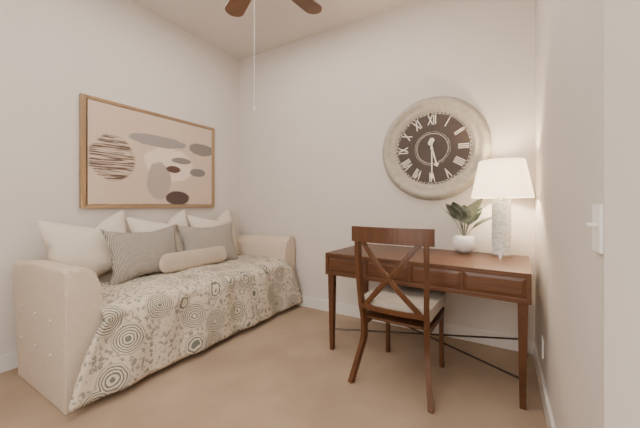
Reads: 5.30
